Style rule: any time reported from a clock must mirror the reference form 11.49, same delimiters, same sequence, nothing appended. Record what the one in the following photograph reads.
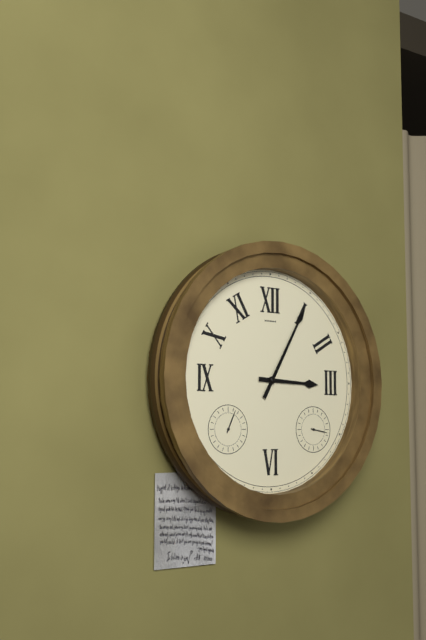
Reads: 3.05
